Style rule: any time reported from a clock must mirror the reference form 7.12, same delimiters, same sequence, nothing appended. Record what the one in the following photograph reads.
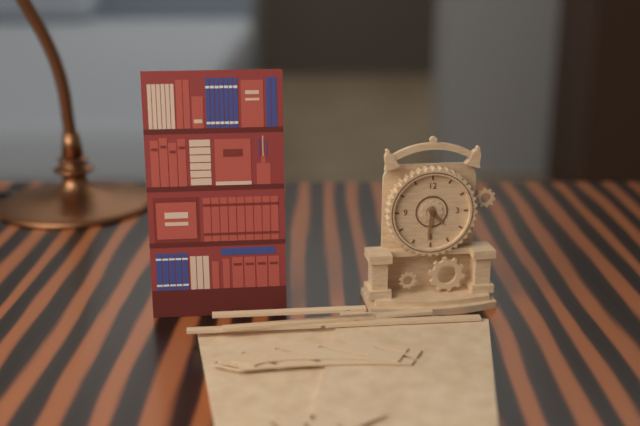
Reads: 4.31
